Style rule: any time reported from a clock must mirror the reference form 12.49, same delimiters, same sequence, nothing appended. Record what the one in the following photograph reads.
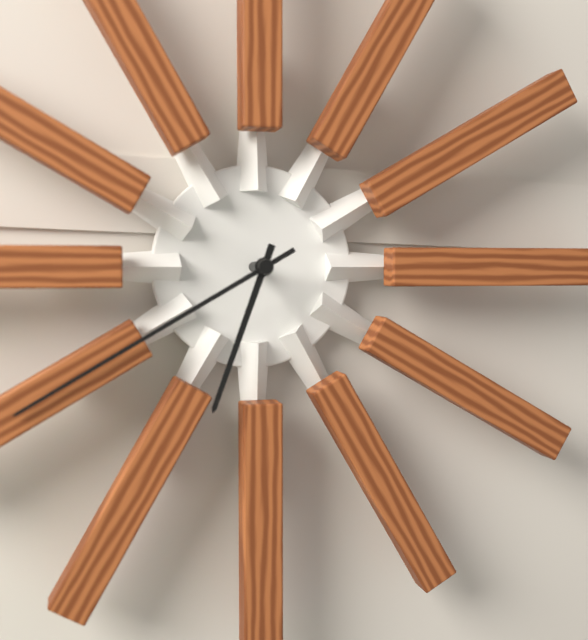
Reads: 6.40
